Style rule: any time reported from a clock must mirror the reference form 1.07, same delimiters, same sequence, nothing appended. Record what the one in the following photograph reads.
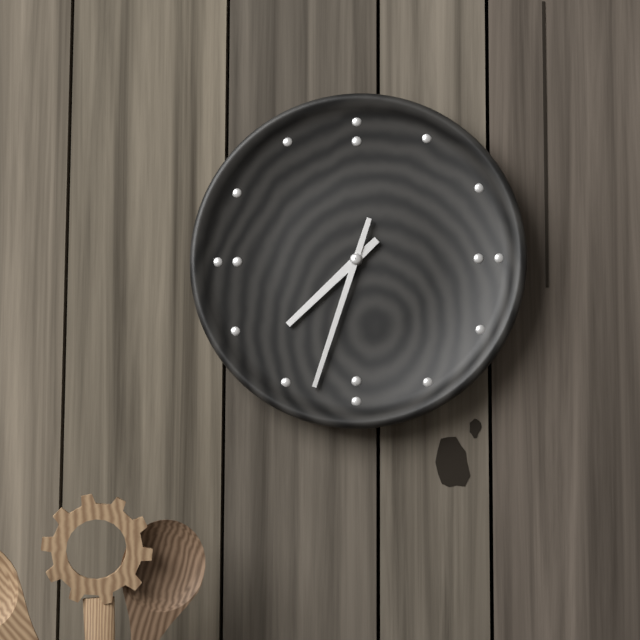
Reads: 7.33
